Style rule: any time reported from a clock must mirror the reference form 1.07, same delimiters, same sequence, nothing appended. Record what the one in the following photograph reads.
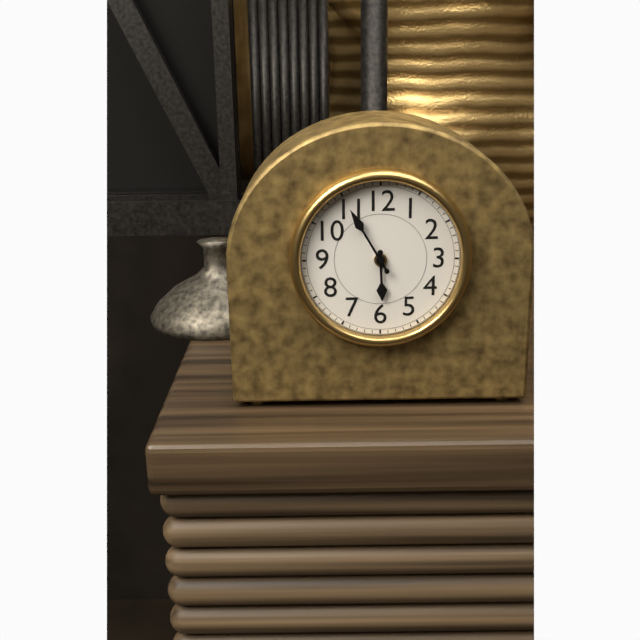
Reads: 5.55
